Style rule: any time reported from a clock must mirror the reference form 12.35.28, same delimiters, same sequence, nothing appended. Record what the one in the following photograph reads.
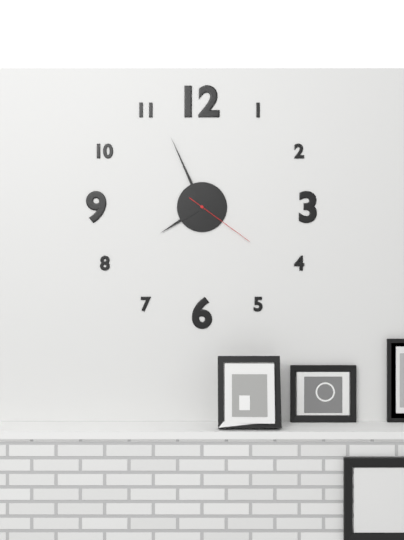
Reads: 7.56.21
